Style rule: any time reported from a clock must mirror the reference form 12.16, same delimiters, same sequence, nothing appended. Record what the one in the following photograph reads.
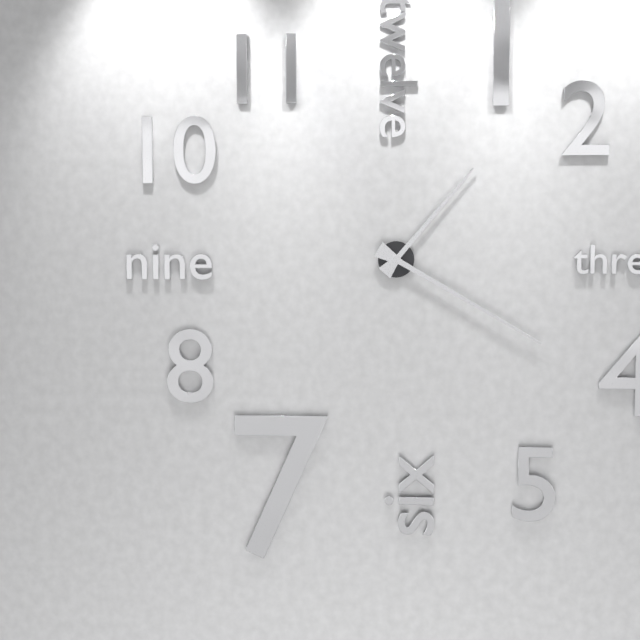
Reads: 1.20
